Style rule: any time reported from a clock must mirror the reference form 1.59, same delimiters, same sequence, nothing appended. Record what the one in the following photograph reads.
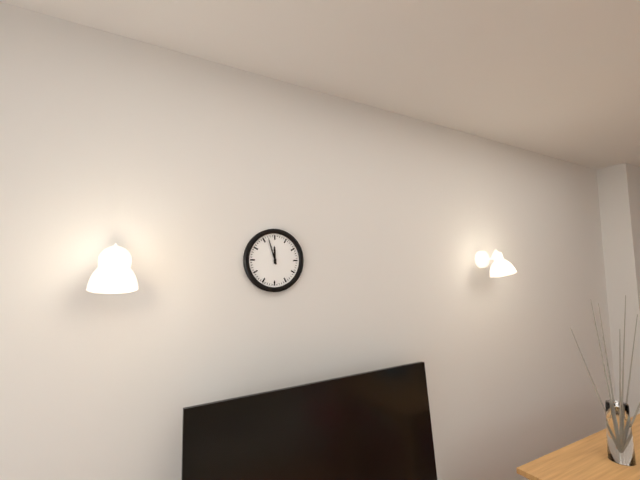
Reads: 11.57
